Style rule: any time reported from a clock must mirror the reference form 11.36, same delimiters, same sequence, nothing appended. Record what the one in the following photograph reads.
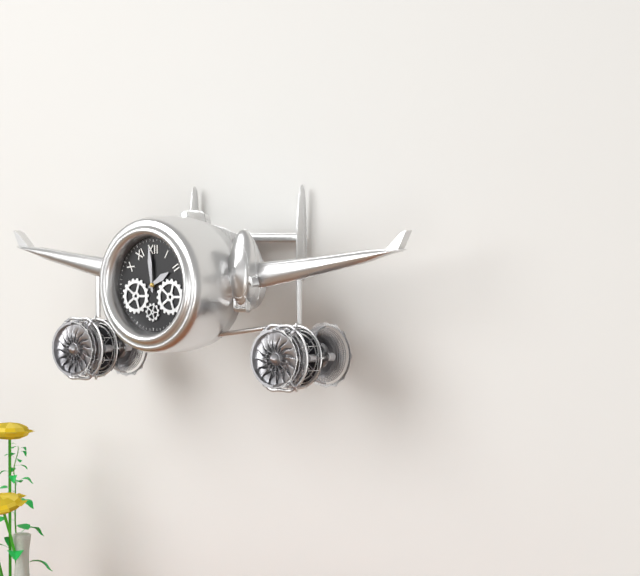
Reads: 1.59
